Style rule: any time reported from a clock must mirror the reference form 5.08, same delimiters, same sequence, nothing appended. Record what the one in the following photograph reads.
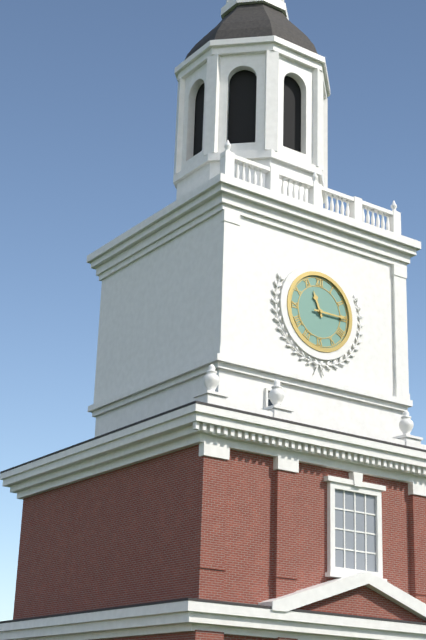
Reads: 11.15
